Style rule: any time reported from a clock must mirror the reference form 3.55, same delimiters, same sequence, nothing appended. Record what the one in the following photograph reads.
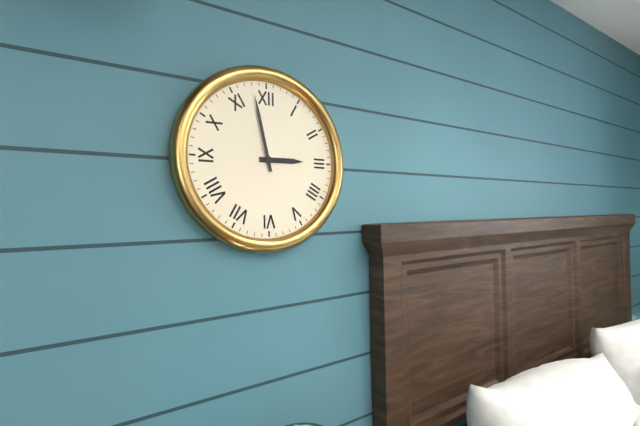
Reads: 2.58
